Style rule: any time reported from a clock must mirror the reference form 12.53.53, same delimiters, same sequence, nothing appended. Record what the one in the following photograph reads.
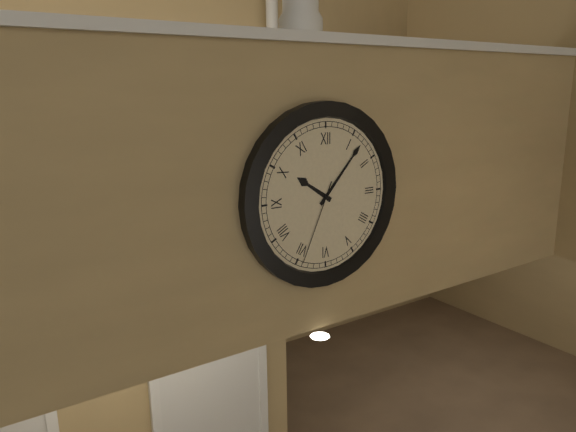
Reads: 10.07.34
